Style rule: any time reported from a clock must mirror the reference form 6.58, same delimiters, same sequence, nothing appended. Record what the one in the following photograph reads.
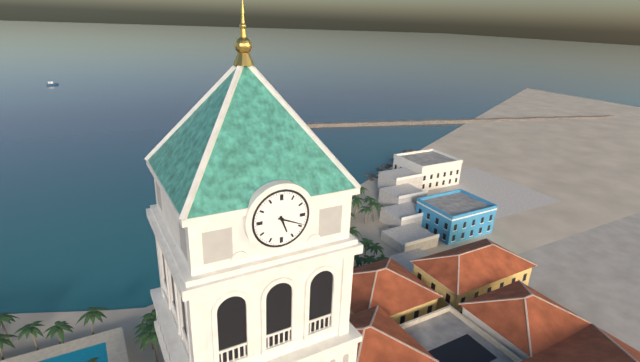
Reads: 5.19
